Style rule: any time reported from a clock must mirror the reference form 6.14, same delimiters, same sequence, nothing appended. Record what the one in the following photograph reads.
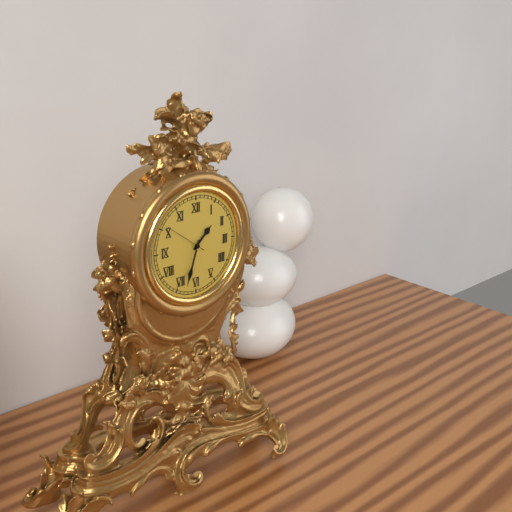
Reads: 1.33
